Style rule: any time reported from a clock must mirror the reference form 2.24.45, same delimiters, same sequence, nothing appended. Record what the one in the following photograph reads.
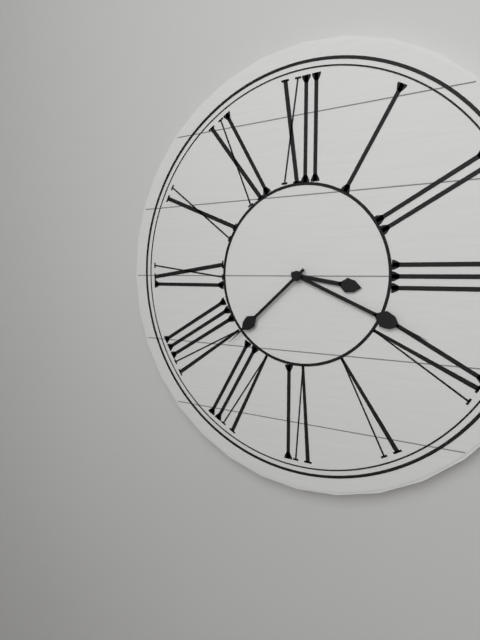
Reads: 3.19.38
